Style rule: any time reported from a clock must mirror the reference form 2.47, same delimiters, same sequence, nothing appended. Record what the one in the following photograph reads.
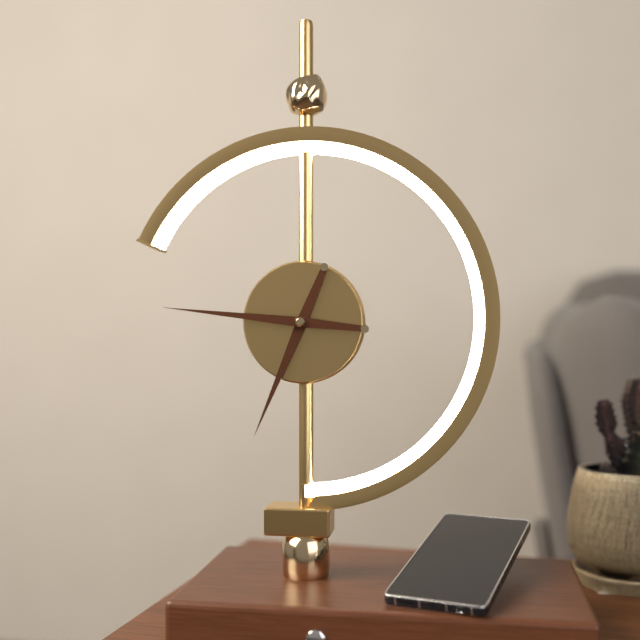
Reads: 6.46
